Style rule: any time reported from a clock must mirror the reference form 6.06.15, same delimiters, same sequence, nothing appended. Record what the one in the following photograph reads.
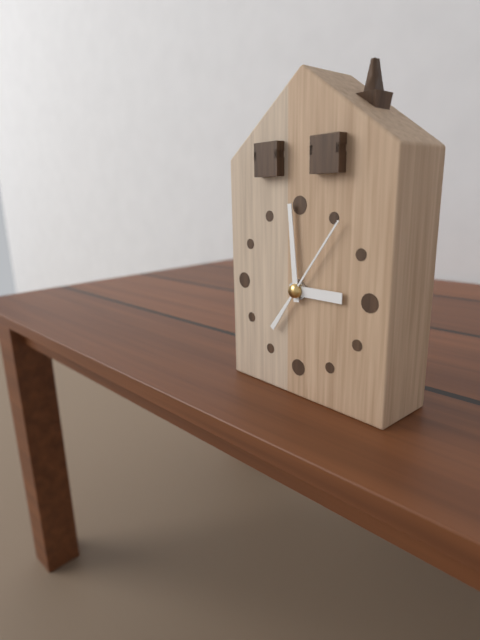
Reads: 2.59.06
